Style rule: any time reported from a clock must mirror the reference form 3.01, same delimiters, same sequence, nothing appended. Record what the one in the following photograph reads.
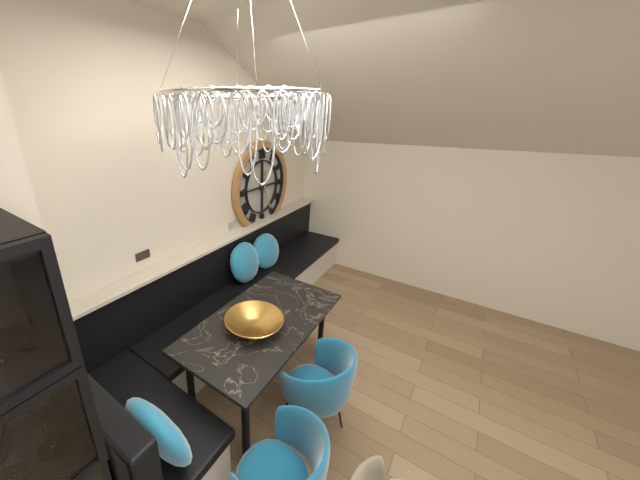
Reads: 12.26
